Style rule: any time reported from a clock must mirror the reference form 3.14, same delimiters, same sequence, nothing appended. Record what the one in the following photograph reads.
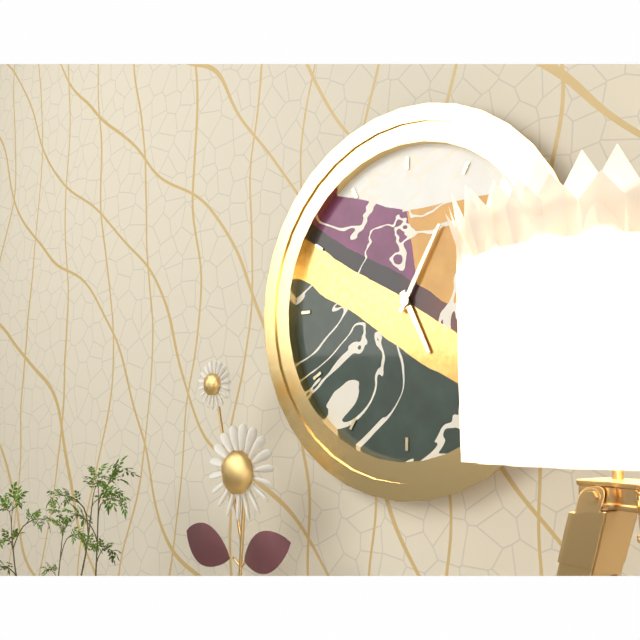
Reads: 5.05
